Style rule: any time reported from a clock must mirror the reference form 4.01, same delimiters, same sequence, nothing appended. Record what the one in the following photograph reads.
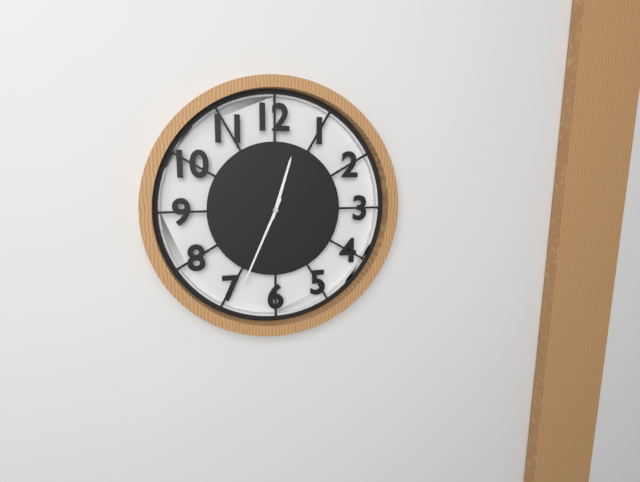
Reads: 12.34
